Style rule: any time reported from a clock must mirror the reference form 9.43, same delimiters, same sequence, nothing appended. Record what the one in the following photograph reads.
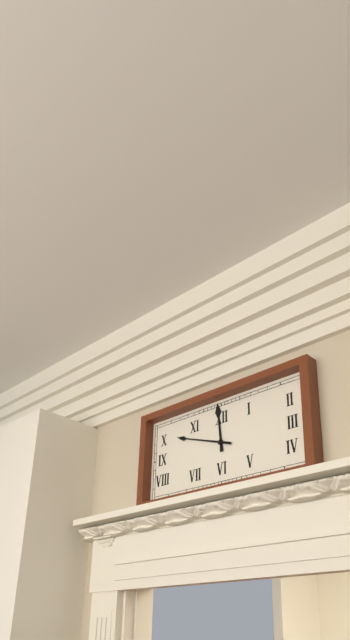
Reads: 11.48
